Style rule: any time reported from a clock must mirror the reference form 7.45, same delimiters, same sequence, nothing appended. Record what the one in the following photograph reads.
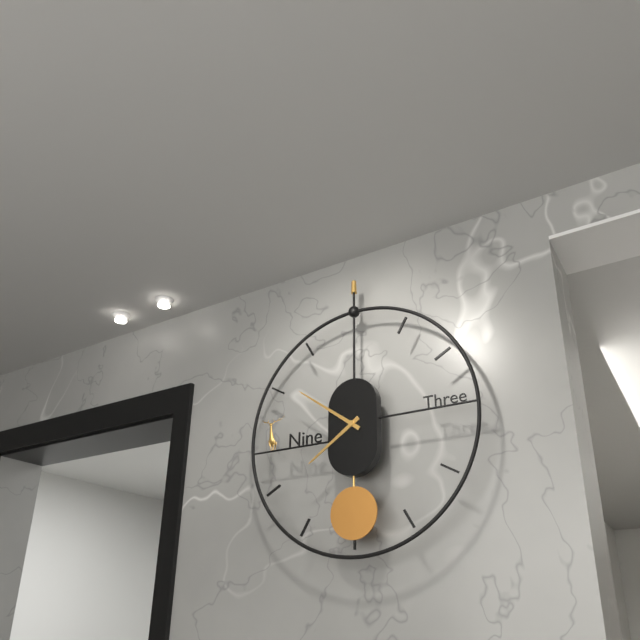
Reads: 7.51
